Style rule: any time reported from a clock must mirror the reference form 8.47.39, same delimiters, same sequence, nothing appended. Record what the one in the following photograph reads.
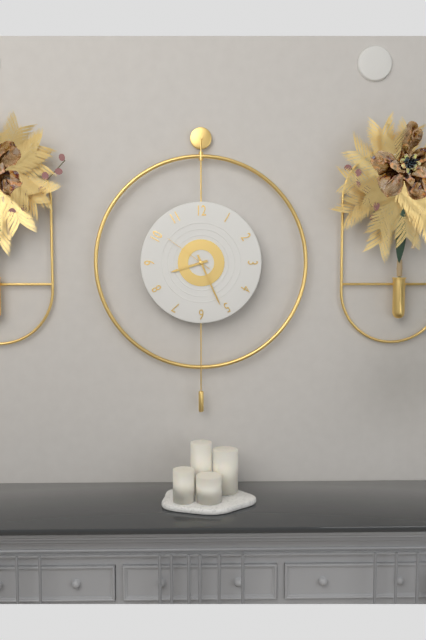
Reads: 8.26.51
